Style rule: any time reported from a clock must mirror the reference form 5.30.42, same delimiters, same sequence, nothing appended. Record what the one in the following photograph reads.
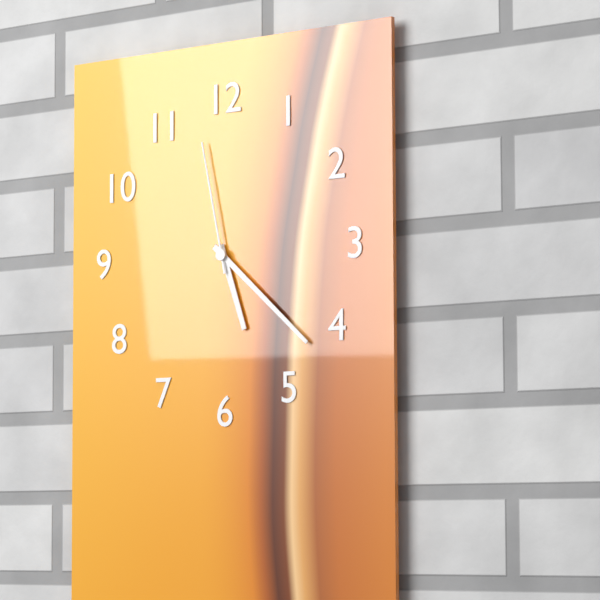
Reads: 5.22.58
